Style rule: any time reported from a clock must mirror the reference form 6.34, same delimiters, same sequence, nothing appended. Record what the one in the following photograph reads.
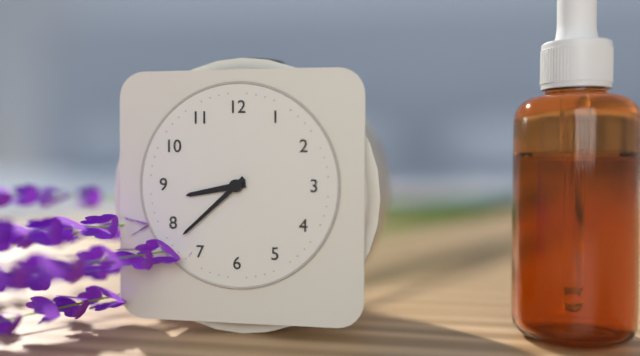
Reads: 8.38
